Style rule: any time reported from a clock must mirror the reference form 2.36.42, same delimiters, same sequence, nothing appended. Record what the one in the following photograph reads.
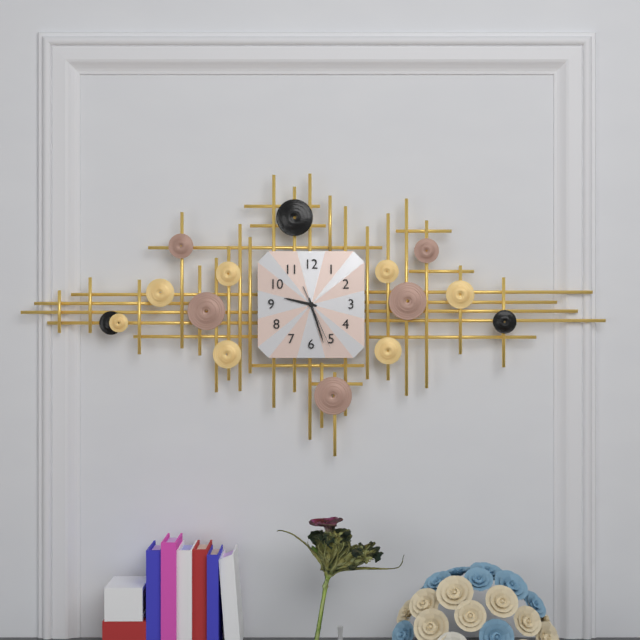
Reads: 9.27.26
